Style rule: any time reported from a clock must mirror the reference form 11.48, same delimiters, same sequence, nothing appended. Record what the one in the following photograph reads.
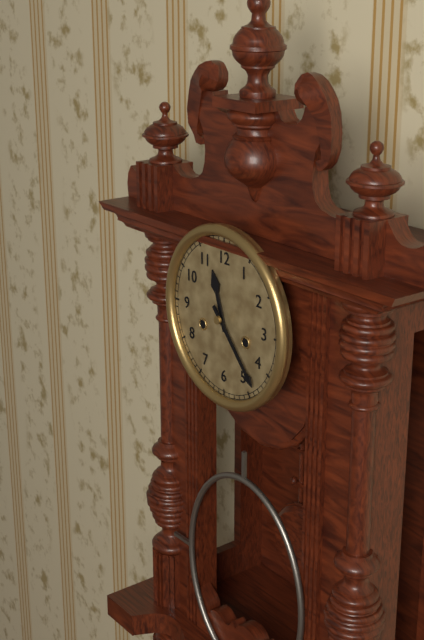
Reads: 11.23
